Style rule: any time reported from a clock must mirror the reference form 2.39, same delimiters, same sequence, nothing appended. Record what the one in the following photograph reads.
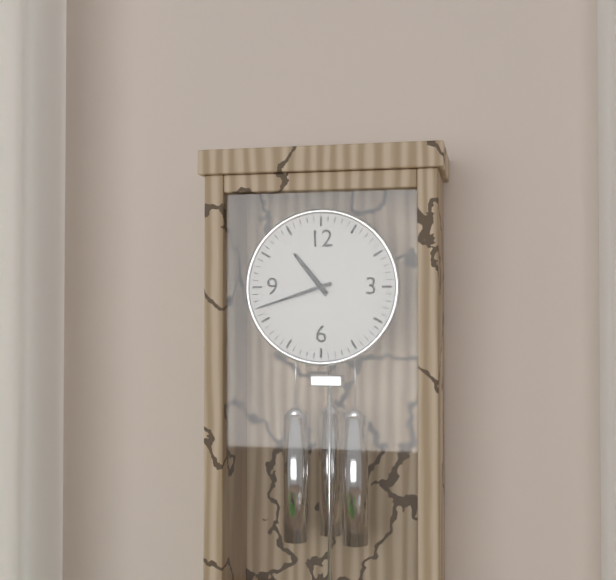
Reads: 10.42
